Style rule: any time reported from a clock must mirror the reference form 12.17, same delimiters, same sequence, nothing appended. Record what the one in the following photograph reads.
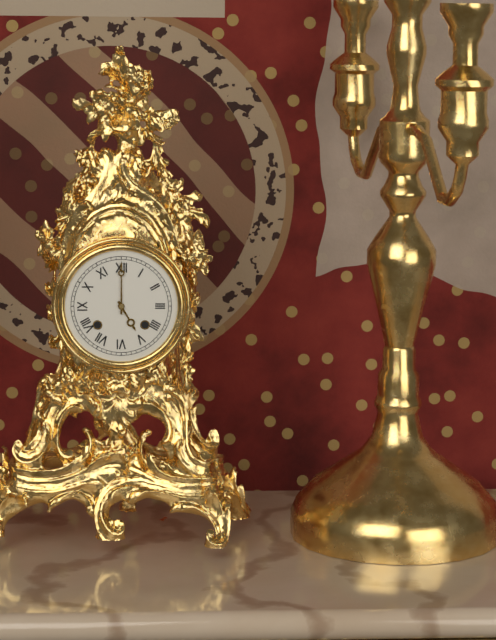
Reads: 5.00
